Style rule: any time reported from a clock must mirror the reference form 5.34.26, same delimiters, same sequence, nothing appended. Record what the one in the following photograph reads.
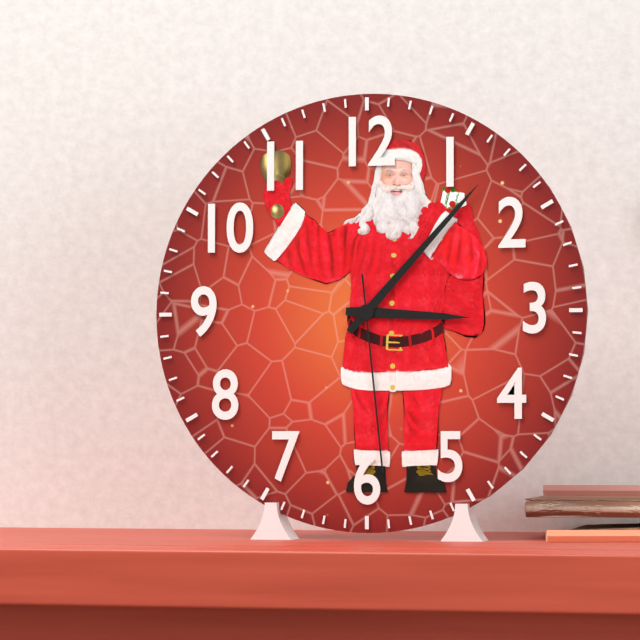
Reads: 3.07.29
